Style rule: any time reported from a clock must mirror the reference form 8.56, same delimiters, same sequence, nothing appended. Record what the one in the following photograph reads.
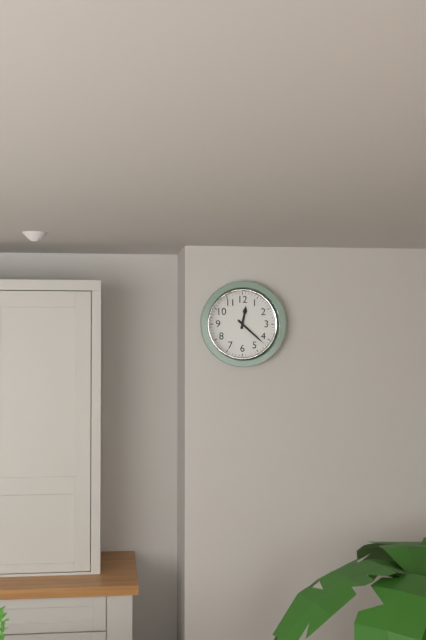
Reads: 12.22
